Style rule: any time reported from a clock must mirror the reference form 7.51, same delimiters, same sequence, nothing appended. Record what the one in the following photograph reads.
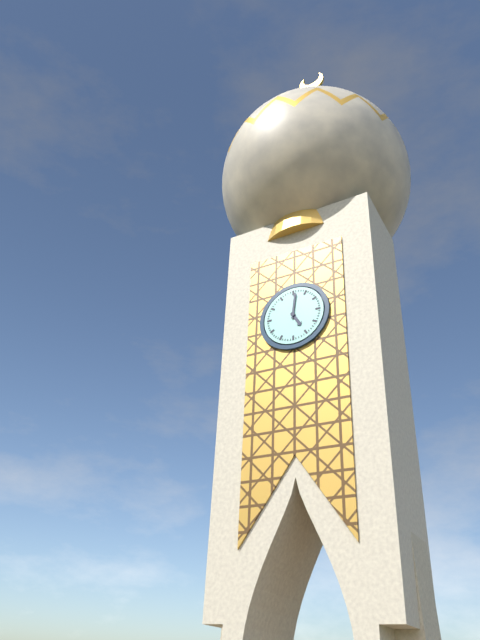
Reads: 5.01
